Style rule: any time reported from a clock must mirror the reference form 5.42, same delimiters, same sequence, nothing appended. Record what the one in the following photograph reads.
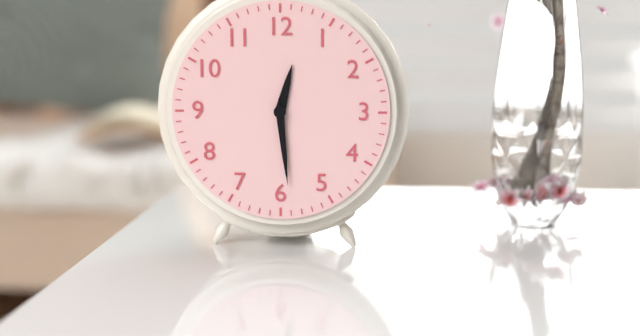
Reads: 12.29
